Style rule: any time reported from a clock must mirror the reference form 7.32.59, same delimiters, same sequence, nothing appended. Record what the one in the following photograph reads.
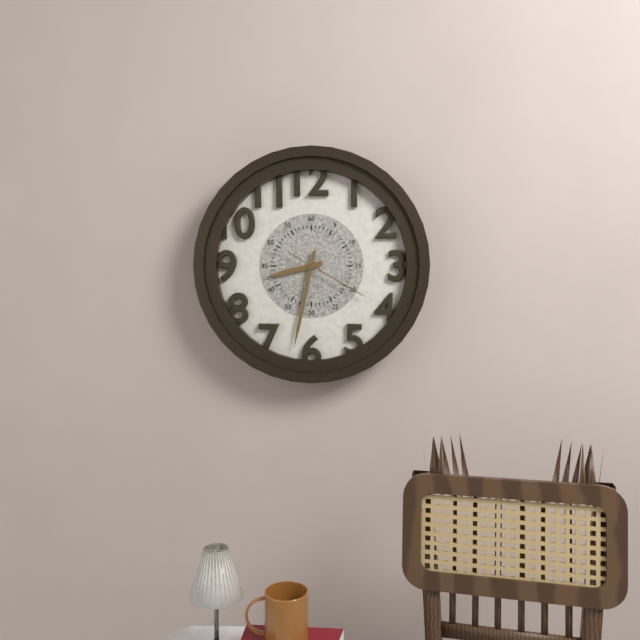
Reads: 8.32.20
